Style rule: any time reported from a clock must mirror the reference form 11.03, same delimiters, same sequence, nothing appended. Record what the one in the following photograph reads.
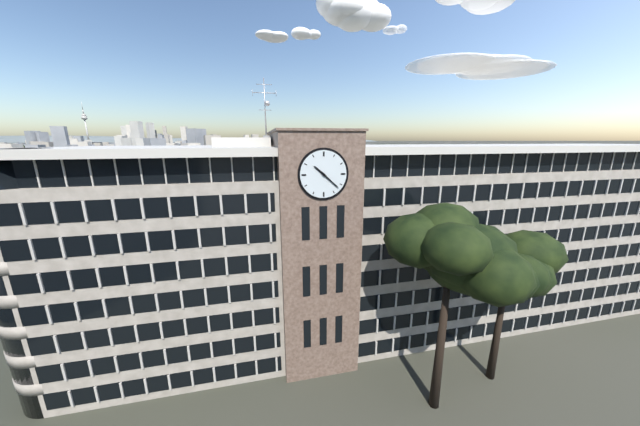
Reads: 10.22
